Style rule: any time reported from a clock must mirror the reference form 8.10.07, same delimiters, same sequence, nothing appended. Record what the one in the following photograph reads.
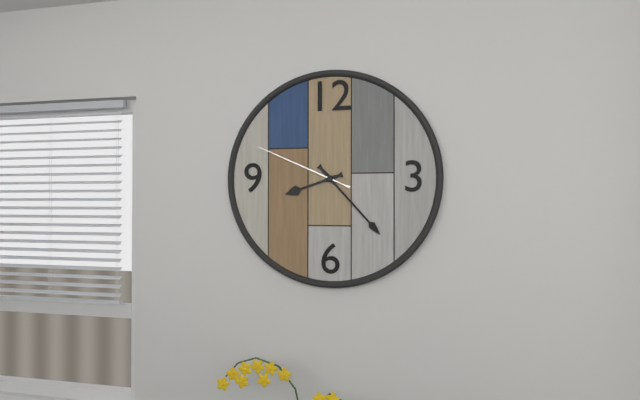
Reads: 8.23.49
